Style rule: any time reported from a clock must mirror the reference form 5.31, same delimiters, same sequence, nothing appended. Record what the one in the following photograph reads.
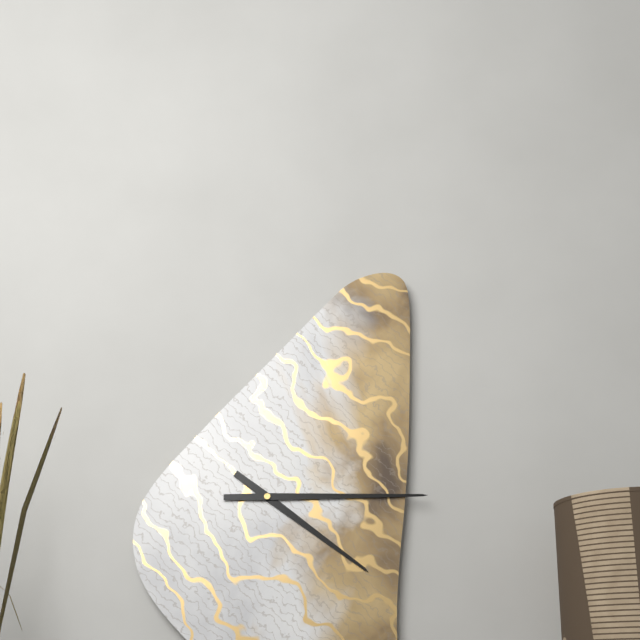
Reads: 4.15
